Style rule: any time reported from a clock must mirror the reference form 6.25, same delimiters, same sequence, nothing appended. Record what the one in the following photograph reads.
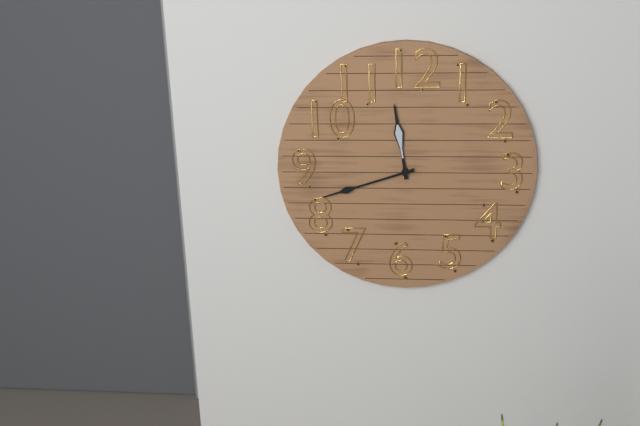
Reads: 11.42
